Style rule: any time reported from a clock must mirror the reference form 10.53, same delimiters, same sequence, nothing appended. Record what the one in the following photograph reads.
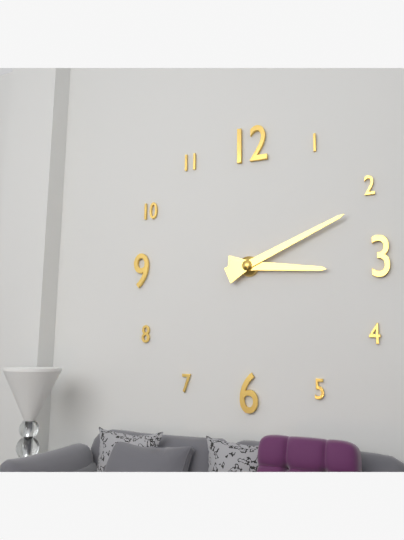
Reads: 3.11
